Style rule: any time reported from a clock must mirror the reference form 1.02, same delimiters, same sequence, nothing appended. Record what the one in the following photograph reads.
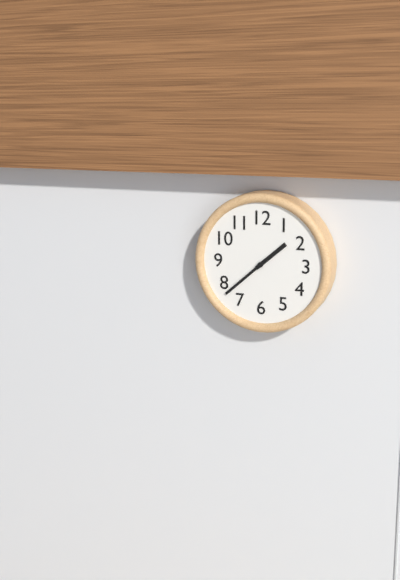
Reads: 1.38
